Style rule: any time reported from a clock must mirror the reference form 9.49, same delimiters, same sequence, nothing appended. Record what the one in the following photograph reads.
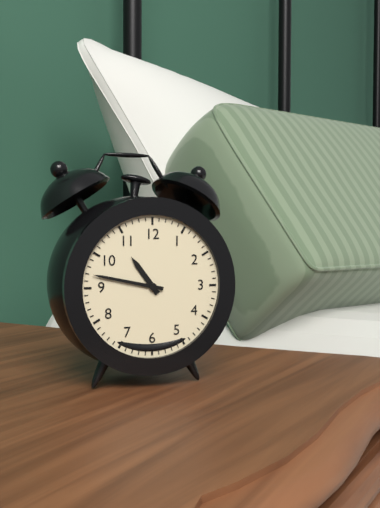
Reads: 10.47
